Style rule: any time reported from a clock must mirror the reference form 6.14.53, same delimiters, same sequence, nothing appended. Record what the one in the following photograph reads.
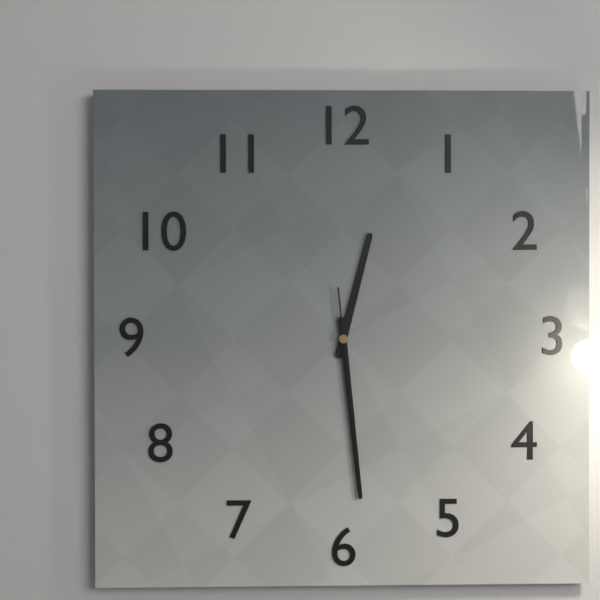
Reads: 12.29.29
